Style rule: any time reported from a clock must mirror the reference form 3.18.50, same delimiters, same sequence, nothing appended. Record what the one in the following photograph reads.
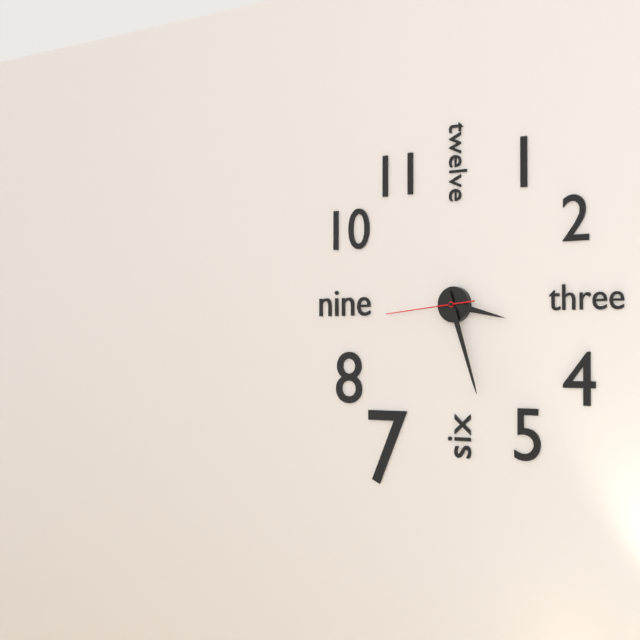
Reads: 3.27.44
